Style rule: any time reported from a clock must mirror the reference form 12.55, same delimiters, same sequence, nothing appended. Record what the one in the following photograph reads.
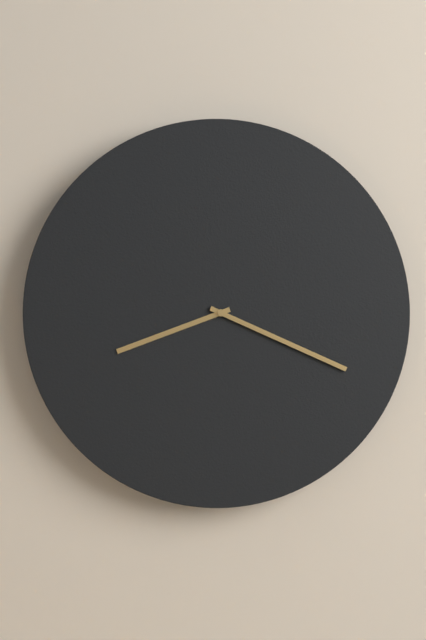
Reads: 8.19
